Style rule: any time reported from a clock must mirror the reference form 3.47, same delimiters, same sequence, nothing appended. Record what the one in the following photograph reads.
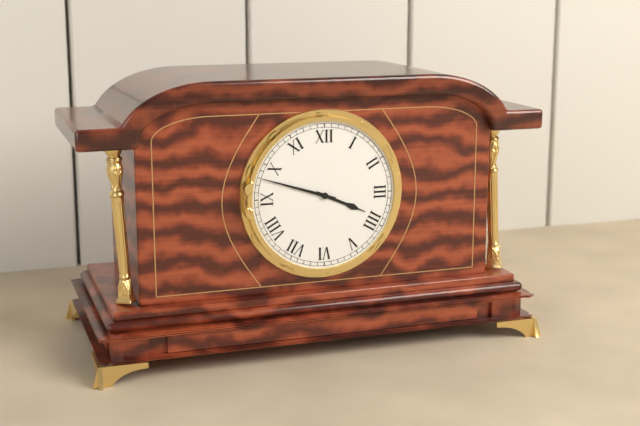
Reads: 3.48
